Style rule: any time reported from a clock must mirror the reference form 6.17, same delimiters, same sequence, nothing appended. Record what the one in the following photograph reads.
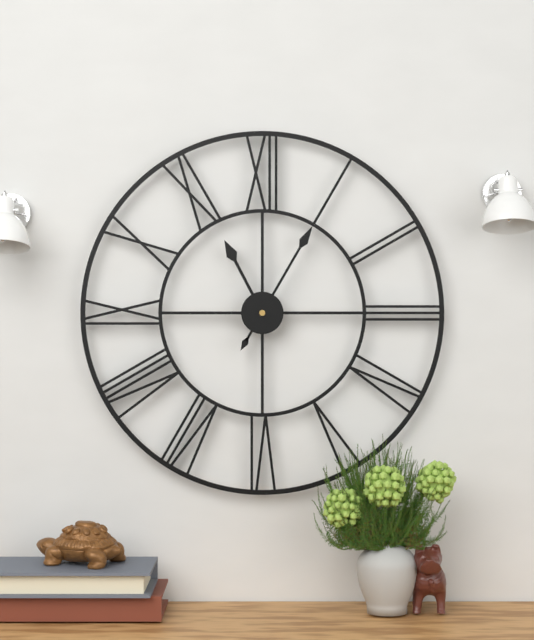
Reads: 11.05
